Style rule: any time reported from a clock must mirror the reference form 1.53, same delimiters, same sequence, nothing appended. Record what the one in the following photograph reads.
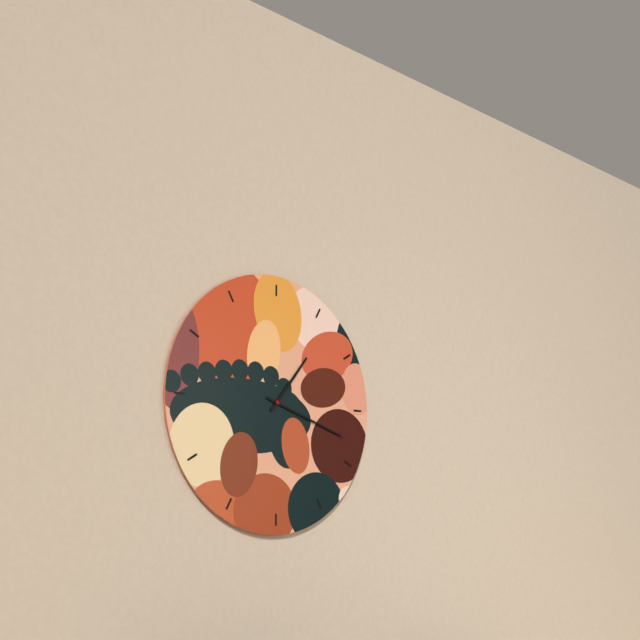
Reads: 1.18
